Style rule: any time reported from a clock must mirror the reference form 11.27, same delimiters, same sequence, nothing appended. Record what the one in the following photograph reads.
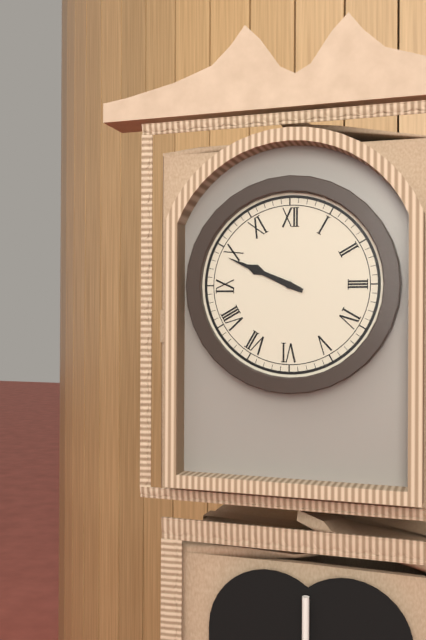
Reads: 9.49
